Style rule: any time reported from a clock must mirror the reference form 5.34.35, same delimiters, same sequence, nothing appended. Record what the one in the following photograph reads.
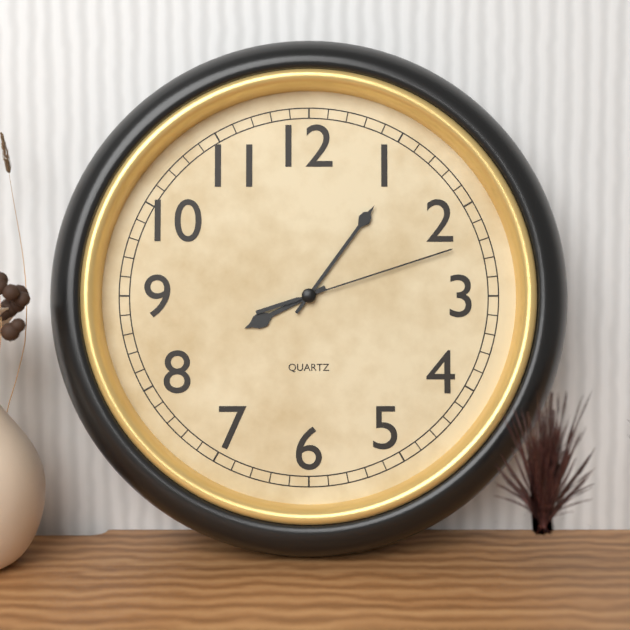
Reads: 8.06.12
